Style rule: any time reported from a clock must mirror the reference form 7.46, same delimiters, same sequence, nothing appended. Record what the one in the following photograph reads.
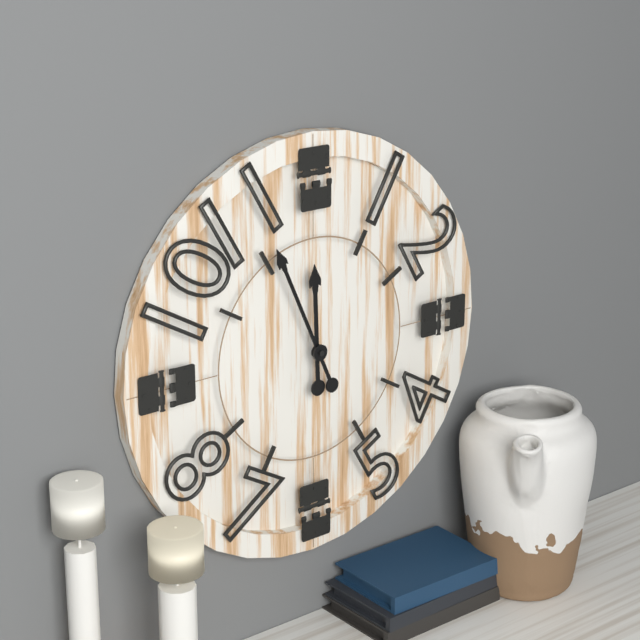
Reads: 11.56
